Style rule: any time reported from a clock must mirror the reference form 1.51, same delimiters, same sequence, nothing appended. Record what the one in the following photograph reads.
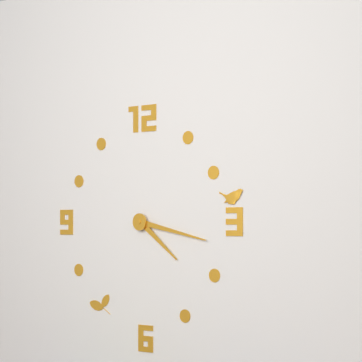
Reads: 4.17
